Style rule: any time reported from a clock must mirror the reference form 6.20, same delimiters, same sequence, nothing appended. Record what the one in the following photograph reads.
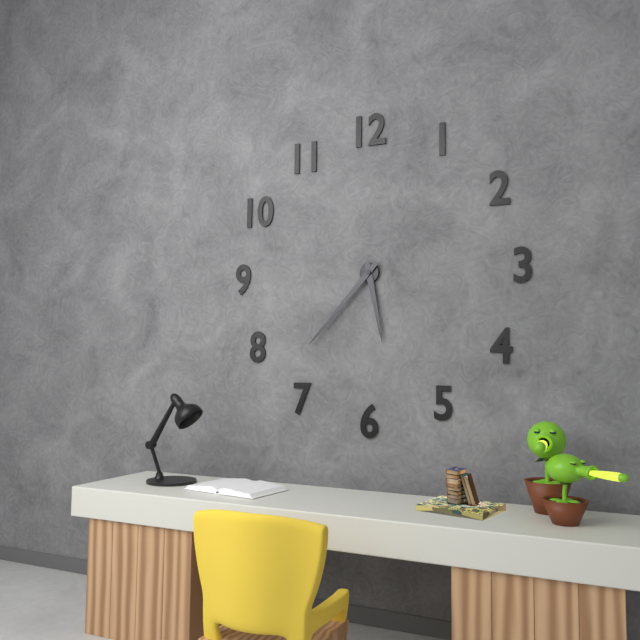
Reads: 5.37
